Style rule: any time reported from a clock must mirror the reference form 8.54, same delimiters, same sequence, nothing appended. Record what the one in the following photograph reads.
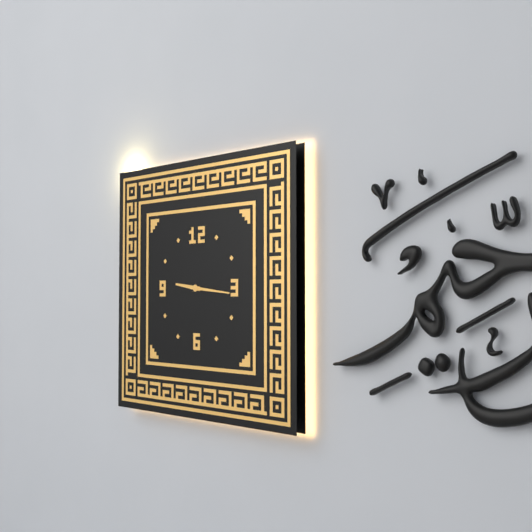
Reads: 9.16
